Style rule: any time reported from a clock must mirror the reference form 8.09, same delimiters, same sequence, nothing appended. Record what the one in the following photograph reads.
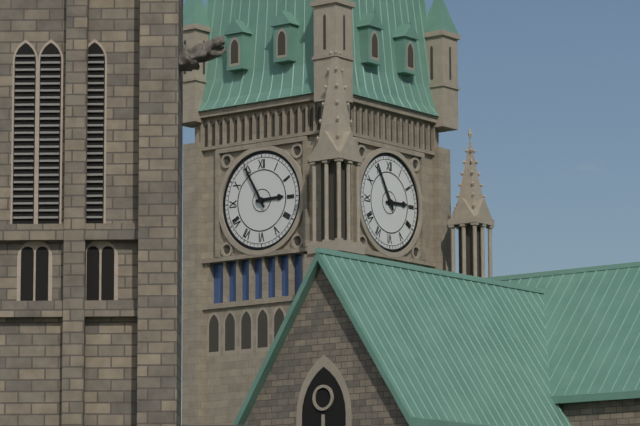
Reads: 2.55
